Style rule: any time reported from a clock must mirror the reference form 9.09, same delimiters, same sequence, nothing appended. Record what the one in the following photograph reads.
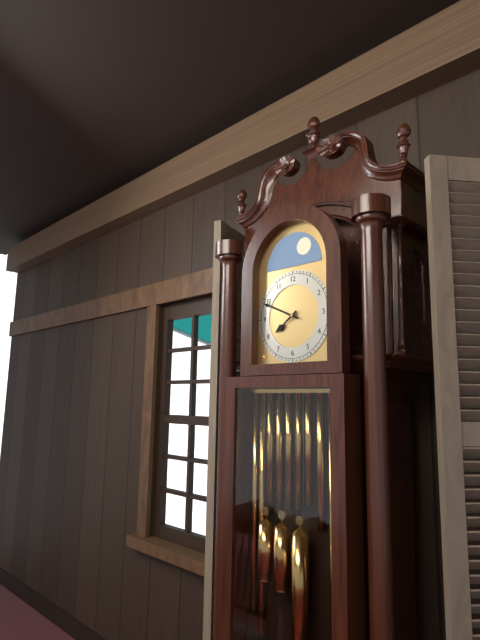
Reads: 7.49
